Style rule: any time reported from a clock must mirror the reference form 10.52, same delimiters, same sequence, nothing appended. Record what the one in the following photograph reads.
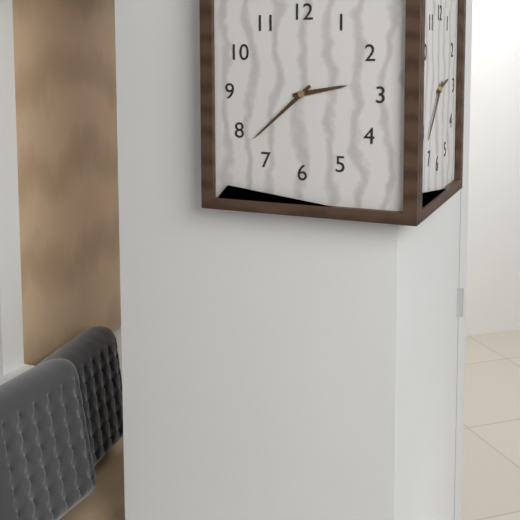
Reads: 2.38
